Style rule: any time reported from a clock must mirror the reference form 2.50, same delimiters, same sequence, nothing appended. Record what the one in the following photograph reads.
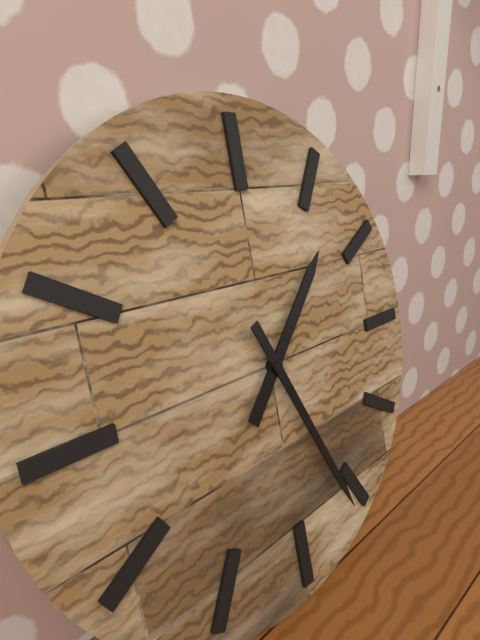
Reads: 1.26
